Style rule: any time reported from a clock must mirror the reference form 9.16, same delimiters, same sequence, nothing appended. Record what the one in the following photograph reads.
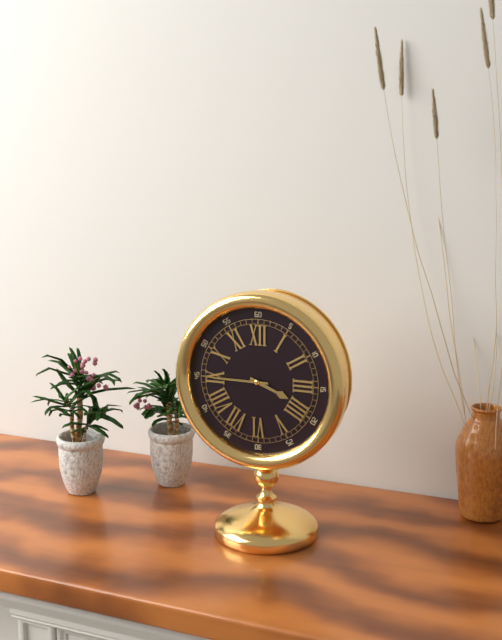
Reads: 3.45
